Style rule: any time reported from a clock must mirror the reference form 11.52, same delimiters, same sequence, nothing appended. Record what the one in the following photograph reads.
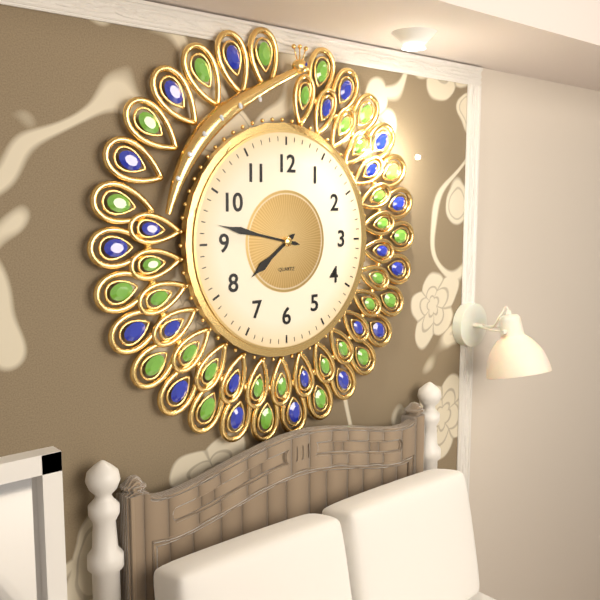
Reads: 7.47
